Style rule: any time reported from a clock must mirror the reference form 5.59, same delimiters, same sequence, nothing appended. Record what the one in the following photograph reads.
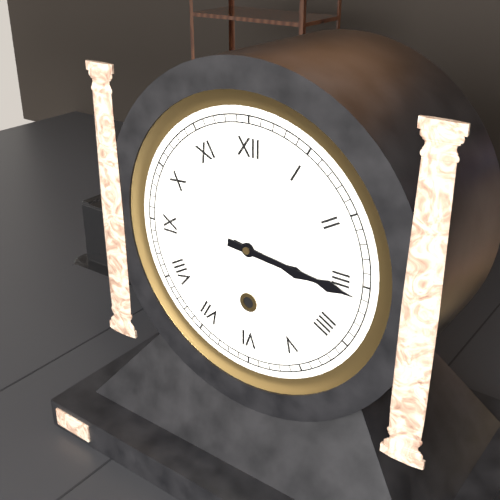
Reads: 3.16
